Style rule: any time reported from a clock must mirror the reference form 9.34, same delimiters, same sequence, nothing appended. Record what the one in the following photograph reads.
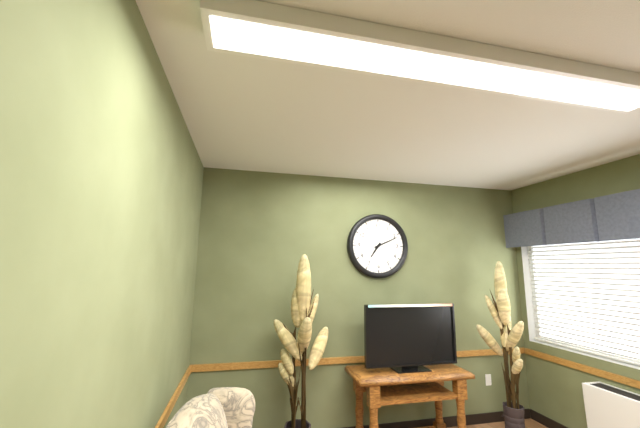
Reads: 7.11
